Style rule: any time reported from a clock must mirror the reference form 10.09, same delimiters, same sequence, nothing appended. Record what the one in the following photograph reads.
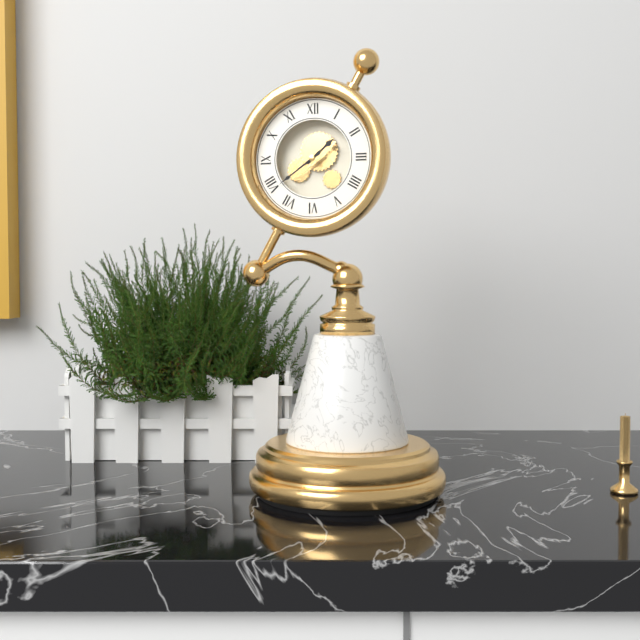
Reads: 1.39
